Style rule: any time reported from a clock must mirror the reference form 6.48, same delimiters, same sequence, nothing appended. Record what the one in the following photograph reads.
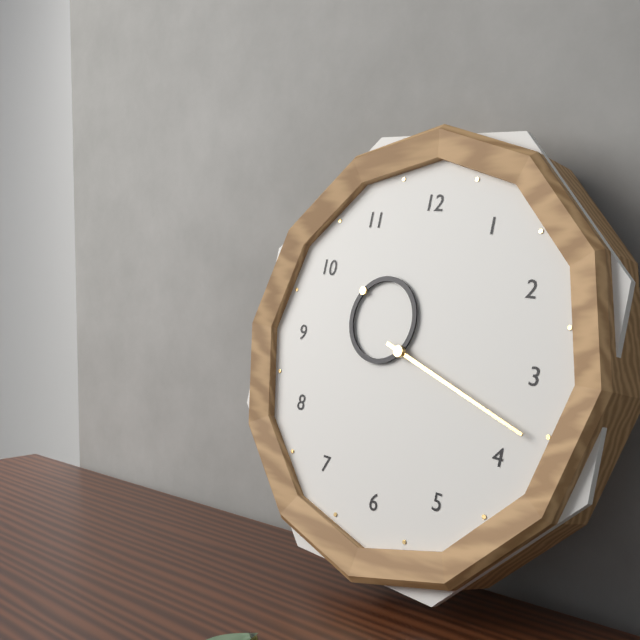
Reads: 10.18
